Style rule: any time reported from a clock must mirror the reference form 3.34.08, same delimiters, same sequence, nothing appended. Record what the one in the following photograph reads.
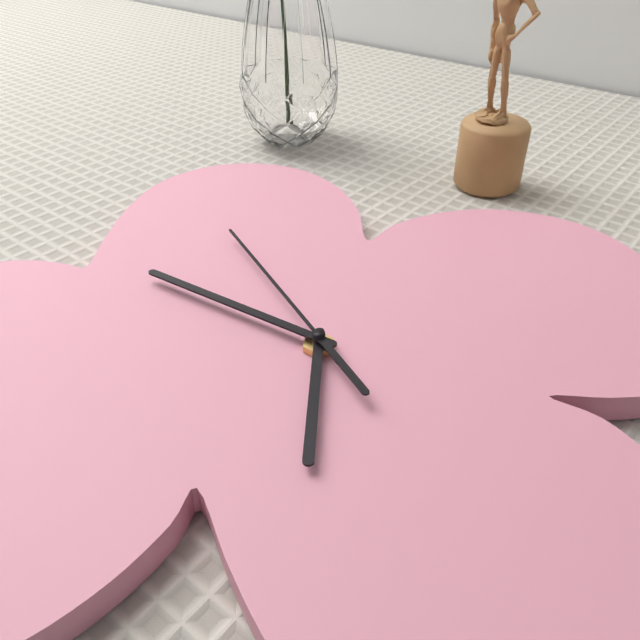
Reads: 5.49.54
